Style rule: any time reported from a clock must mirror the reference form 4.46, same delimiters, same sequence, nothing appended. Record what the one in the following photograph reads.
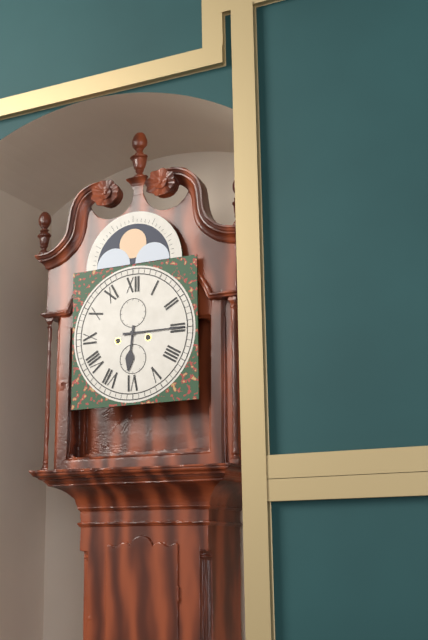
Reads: 6.15
